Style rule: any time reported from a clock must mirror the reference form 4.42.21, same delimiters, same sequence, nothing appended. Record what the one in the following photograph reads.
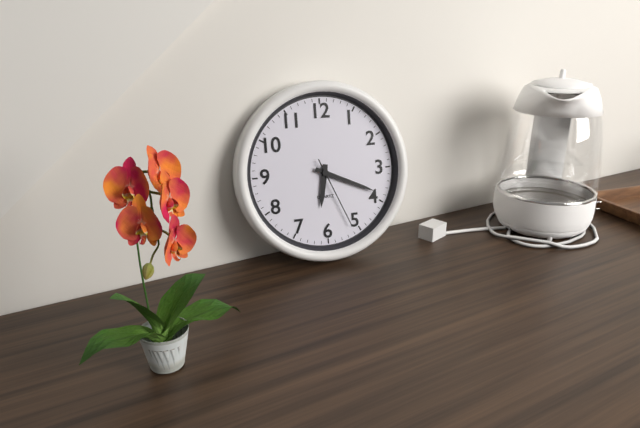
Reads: 6.19.26
